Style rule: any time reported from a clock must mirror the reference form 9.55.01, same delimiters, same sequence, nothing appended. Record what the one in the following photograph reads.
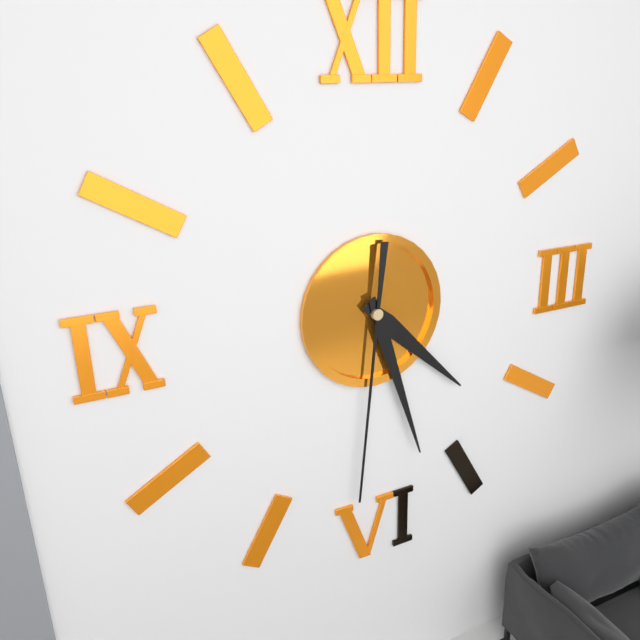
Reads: 4.27.31
